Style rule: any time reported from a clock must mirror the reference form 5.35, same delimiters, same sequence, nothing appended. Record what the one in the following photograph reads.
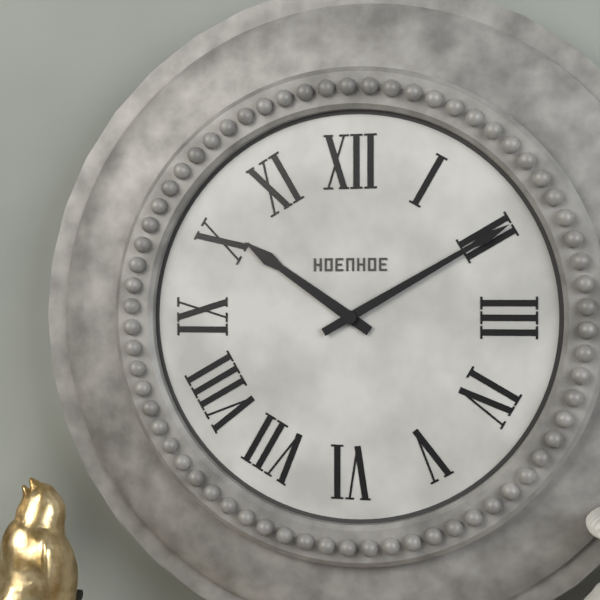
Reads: 10.10
